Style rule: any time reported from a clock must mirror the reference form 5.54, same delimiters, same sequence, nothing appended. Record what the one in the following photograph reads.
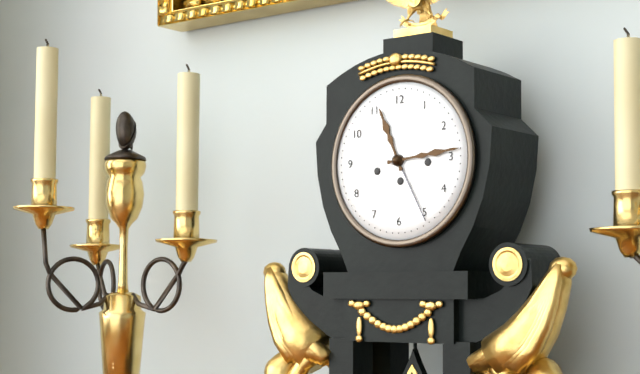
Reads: 11.14
